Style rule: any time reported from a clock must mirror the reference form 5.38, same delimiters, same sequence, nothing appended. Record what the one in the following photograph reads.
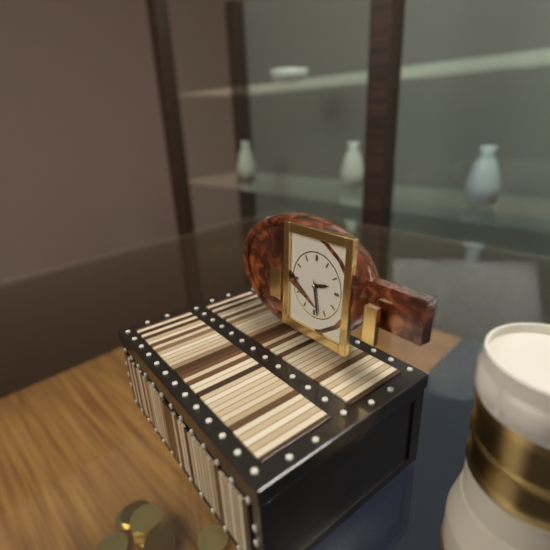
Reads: 2.28
